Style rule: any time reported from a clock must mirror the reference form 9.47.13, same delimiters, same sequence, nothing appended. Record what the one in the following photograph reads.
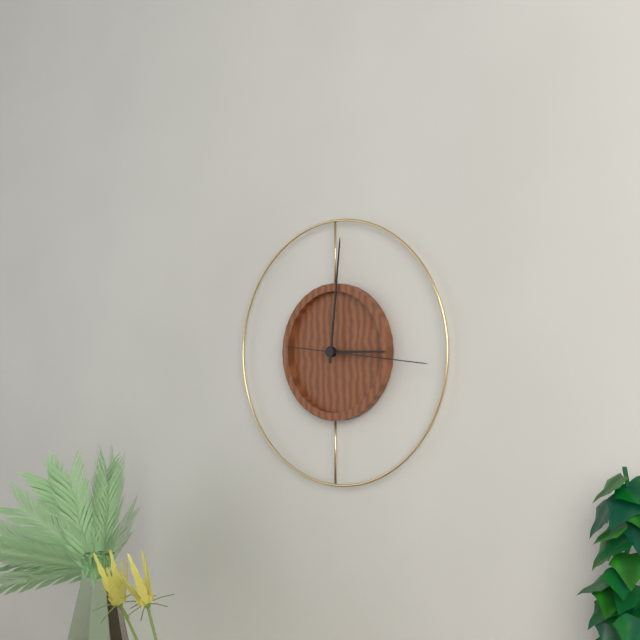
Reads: 3.01.16
